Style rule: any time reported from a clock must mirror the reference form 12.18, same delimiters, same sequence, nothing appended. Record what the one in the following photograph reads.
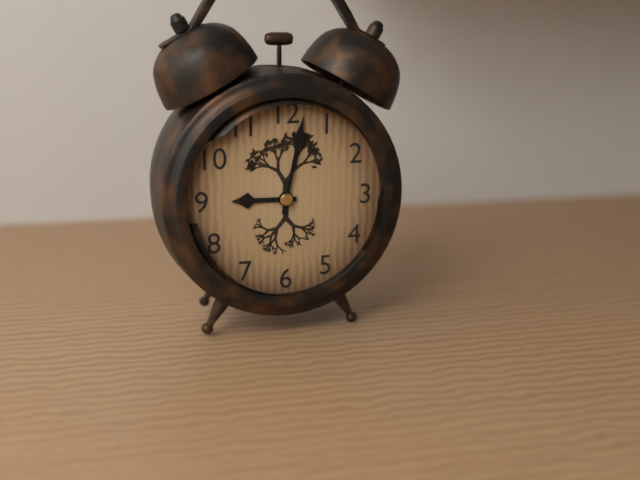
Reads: 9.02
